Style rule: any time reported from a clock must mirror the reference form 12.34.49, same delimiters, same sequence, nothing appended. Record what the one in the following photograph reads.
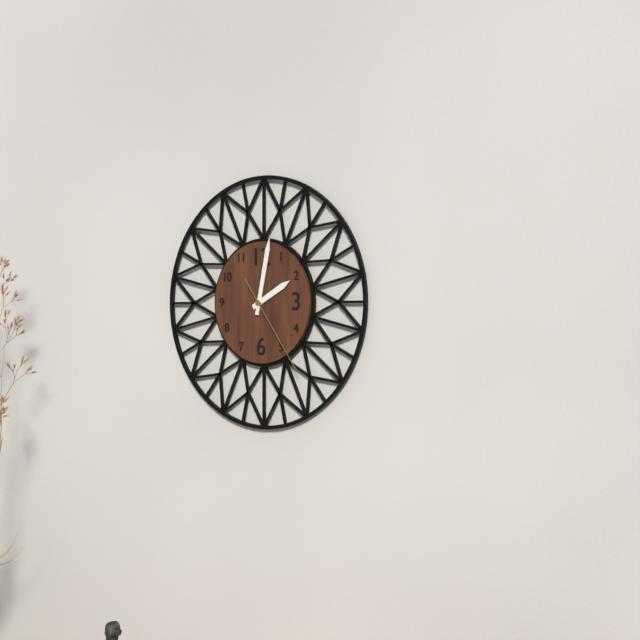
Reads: 2.02.24
